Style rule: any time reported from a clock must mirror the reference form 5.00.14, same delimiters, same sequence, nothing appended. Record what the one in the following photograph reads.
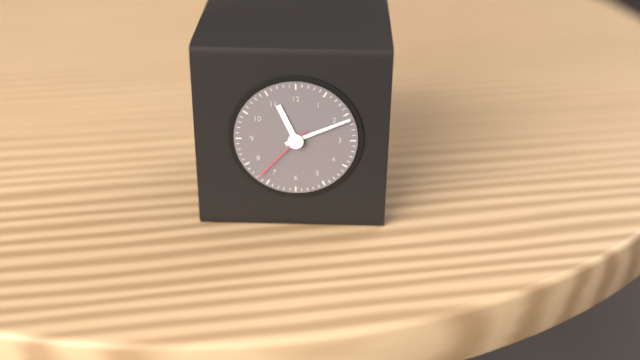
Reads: 11.11.37
